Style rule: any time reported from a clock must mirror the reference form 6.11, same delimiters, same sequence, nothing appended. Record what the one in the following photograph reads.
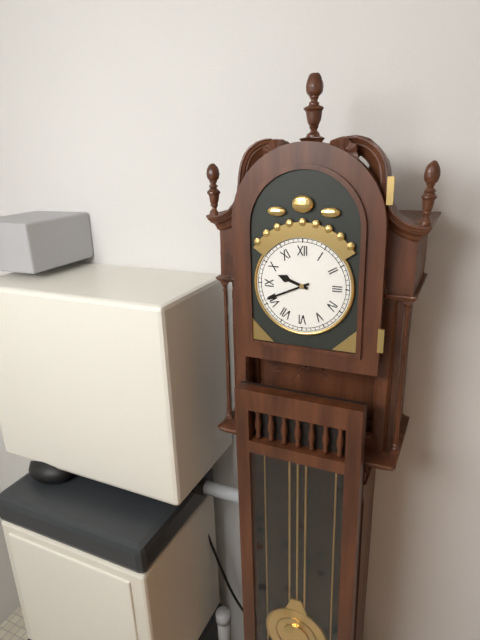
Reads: 9.41
